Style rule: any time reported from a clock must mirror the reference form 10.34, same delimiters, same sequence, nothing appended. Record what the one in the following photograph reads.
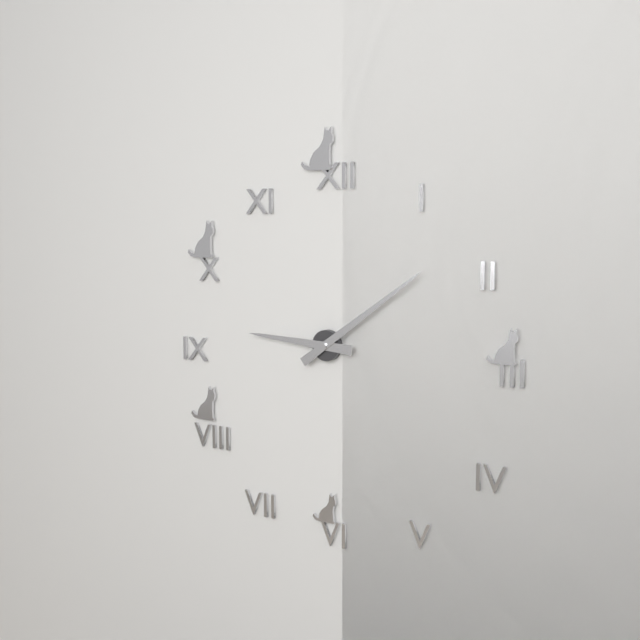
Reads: 9.09
